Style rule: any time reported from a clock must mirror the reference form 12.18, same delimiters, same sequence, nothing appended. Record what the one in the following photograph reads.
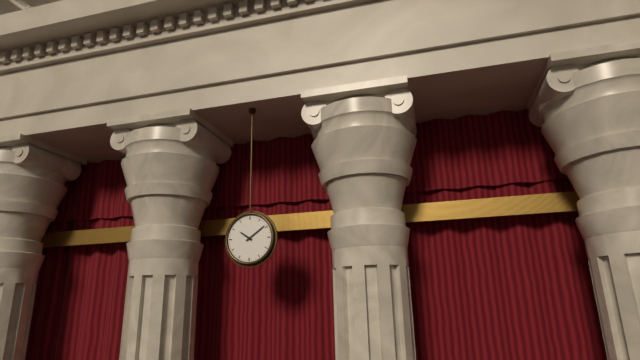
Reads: 10.09
